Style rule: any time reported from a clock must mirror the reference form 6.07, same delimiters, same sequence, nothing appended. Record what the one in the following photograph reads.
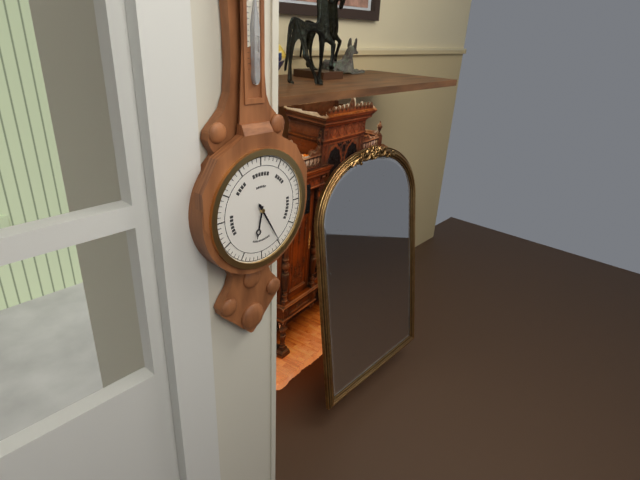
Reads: 6.25
